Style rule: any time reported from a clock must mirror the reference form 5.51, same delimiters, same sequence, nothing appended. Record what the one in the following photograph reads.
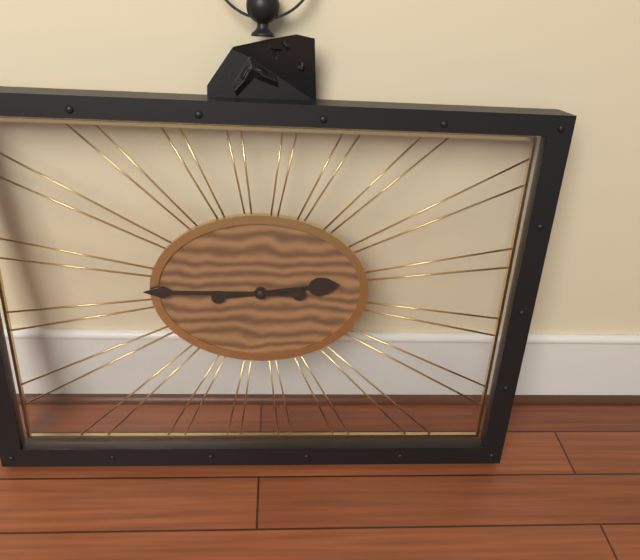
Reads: 2.45
